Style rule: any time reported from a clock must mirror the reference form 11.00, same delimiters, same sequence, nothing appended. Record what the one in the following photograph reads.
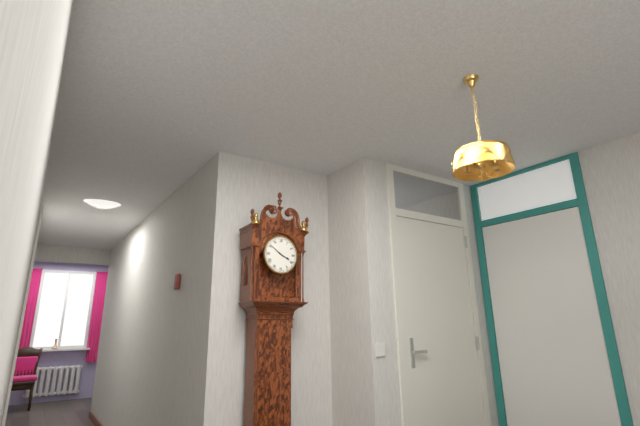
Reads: 3.51
